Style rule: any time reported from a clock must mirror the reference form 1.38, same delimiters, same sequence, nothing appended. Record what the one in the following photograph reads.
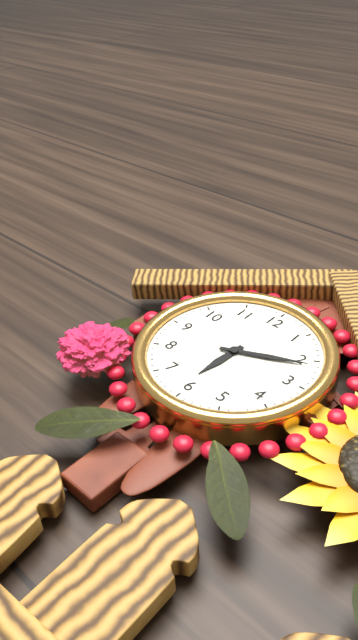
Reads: 6.11
